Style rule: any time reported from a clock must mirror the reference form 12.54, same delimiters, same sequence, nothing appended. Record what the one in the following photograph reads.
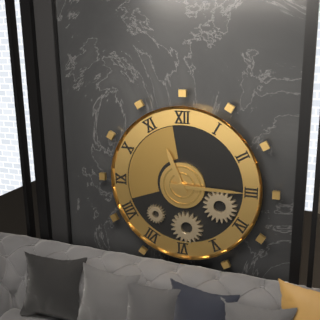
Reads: 11.15
